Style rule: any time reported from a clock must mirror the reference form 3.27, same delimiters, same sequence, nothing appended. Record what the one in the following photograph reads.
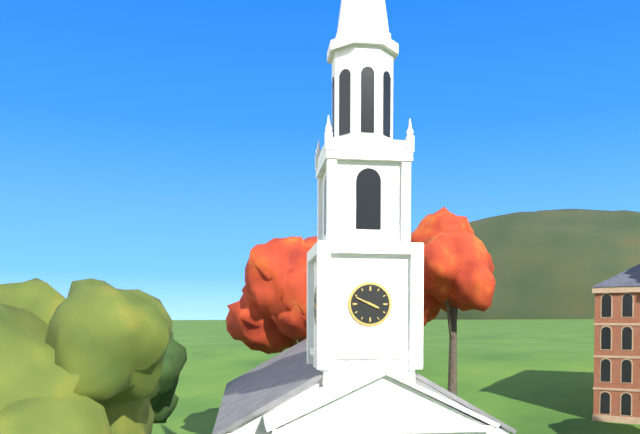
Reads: 3.49
